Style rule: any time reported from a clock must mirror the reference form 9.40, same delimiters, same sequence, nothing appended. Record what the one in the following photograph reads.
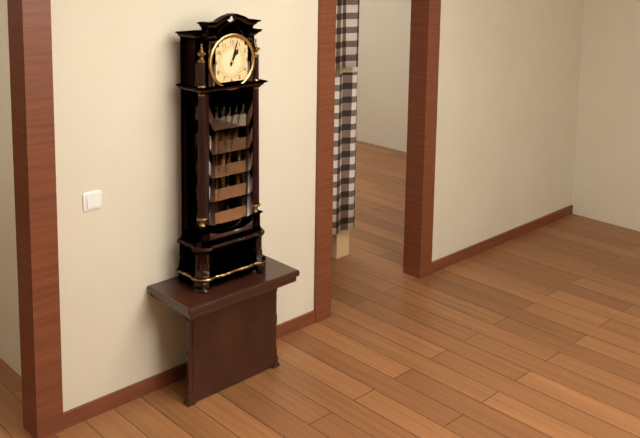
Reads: 1.03
